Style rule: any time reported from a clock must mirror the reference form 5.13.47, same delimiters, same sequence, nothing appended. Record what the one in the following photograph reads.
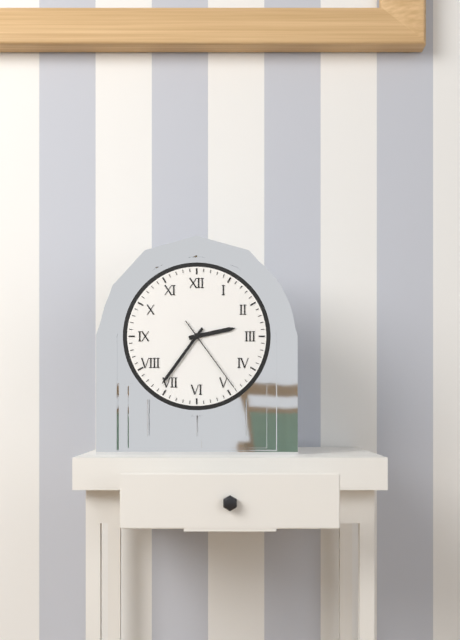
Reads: 2.36.24
